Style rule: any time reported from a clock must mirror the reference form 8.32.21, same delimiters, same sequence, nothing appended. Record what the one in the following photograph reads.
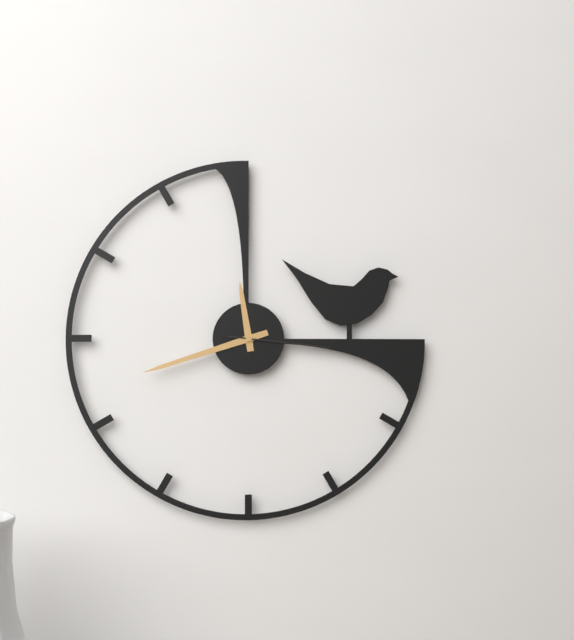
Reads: 11.42.16
